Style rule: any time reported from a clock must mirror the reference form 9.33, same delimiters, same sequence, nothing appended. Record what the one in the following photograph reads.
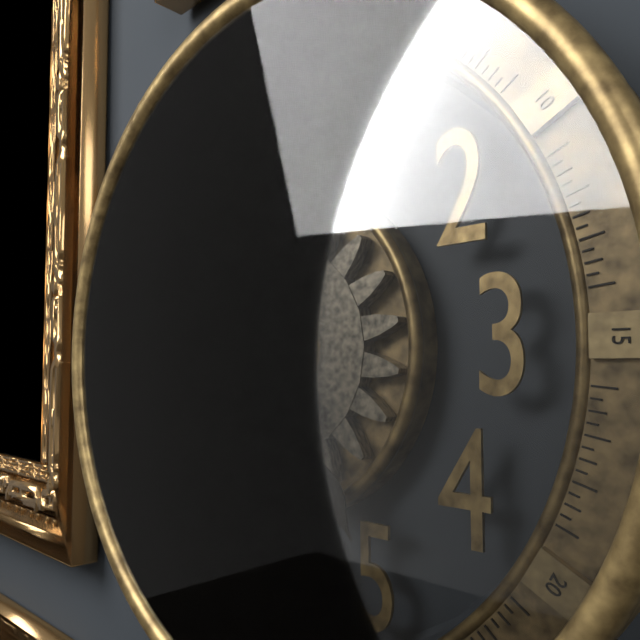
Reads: 4.54
